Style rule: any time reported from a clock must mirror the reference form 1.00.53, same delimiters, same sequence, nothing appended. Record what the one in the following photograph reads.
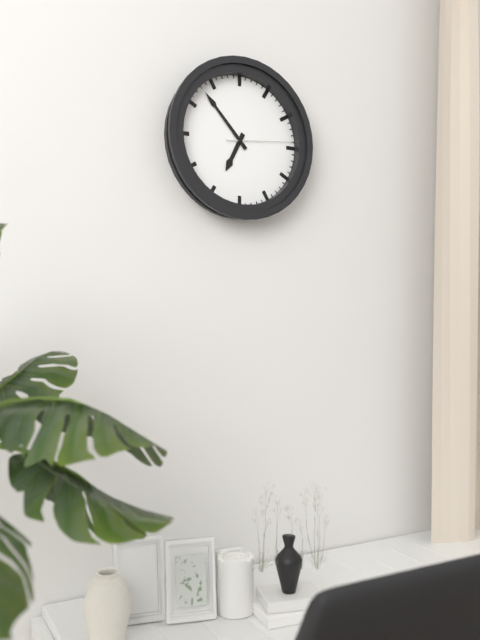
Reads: 6.53.14
